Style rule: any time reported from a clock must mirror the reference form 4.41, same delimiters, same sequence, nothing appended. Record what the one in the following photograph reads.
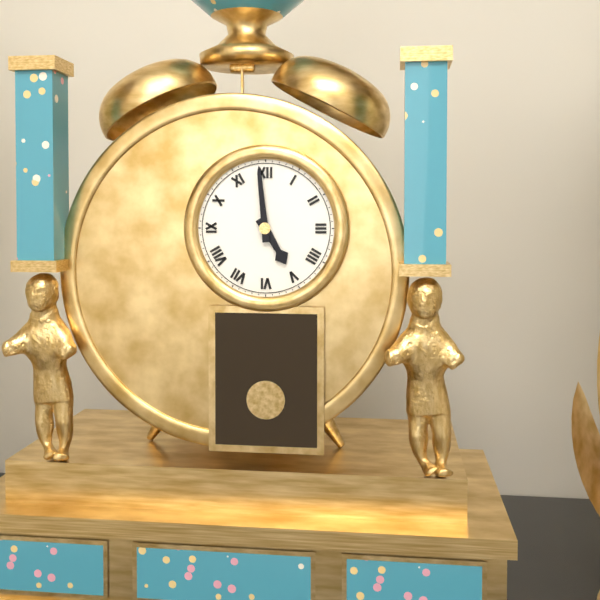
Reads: 4.59
